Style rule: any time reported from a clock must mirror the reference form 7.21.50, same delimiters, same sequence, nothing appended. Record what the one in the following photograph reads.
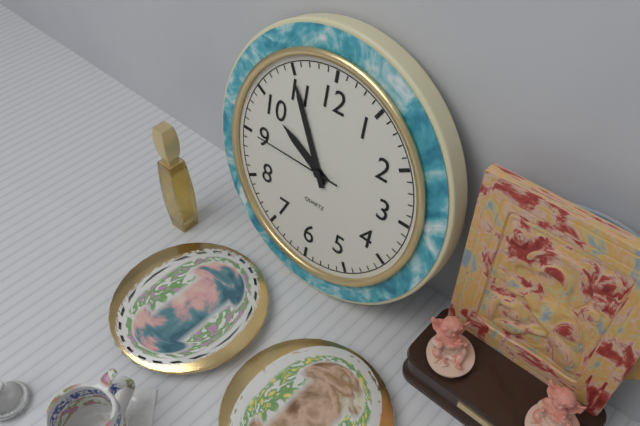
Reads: 9.55.45
